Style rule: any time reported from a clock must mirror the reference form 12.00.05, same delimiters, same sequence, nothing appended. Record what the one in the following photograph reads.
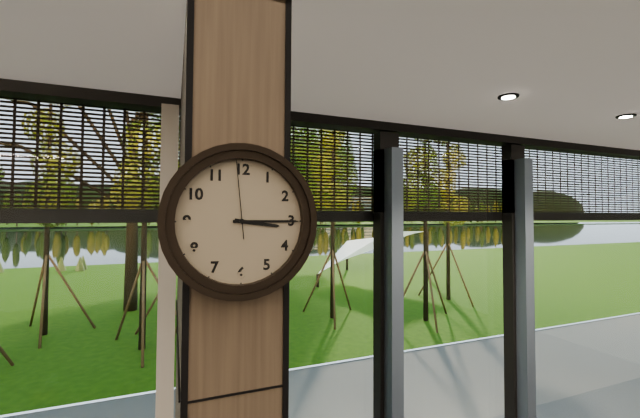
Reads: 3.15.59
